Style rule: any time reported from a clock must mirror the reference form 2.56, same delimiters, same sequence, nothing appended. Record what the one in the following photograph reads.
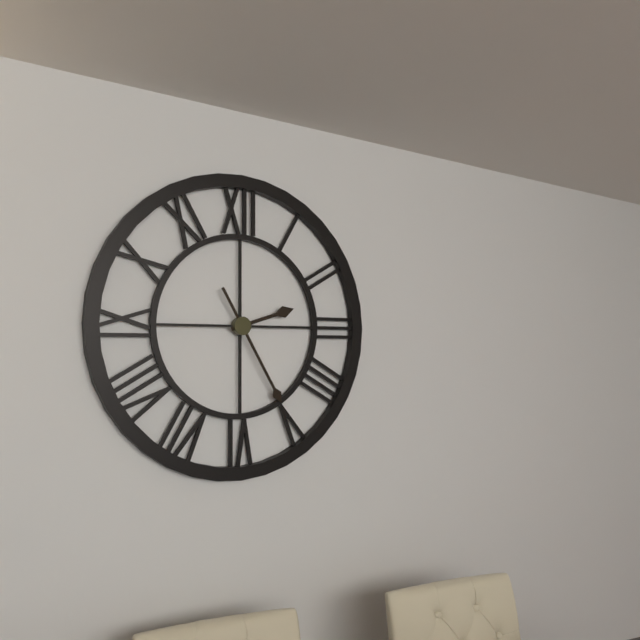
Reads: 2.25
